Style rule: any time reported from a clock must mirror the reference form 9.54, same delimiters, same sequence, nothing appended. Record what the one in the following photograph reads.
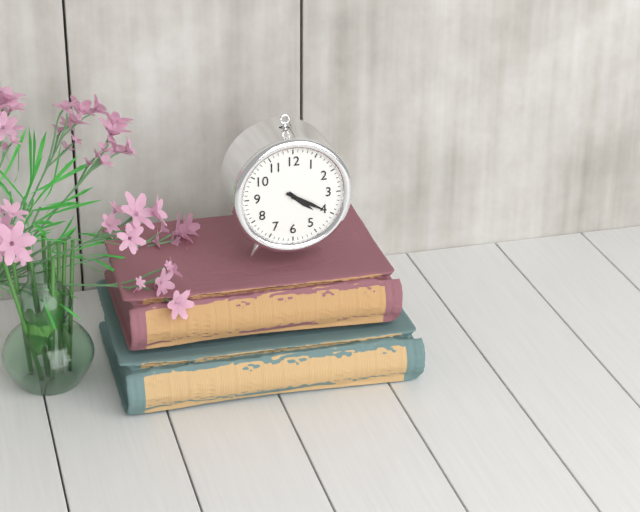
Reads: 4.20
